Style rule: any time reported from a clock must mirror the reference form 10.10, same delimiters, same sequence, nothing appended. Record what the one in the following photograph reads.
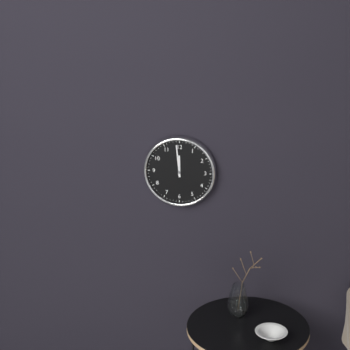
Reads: 11.59
